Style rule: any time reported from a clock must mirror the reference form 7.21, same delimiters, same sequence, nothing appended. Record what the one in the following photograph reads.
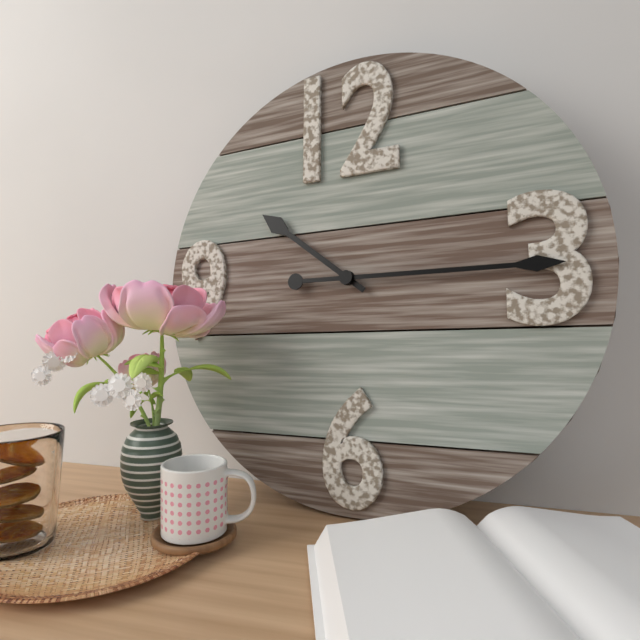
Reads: 10.15
